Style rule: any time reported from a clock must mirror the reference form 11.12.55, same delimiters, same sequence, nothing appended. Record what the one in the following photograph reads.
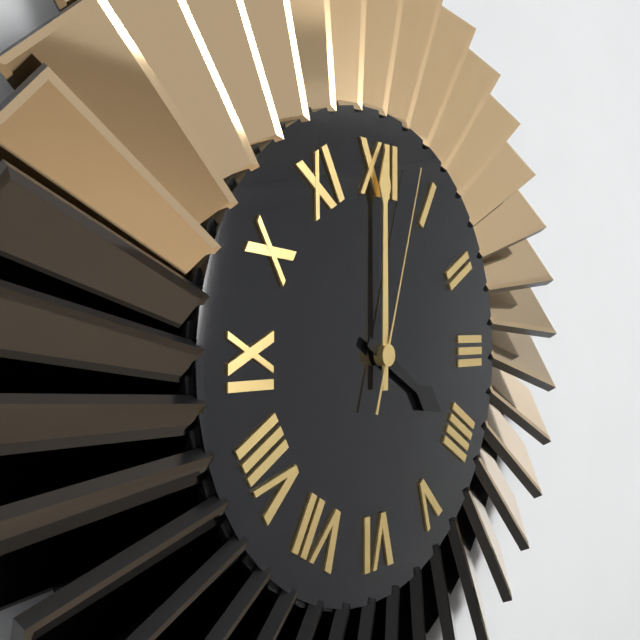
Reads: 4.00.03
